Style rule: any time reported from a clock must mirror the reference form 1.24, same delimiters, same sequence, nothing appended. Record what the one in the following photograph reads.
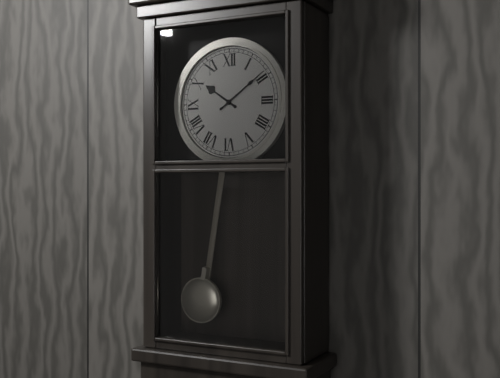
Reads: 10.09
